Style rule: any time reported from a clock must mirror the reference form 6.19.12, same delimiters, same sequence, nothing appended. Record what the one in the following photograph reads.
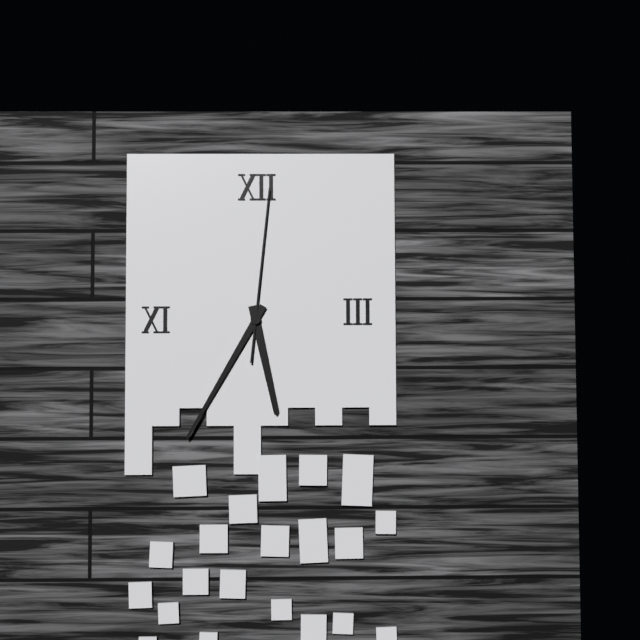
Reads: 5.35.01
